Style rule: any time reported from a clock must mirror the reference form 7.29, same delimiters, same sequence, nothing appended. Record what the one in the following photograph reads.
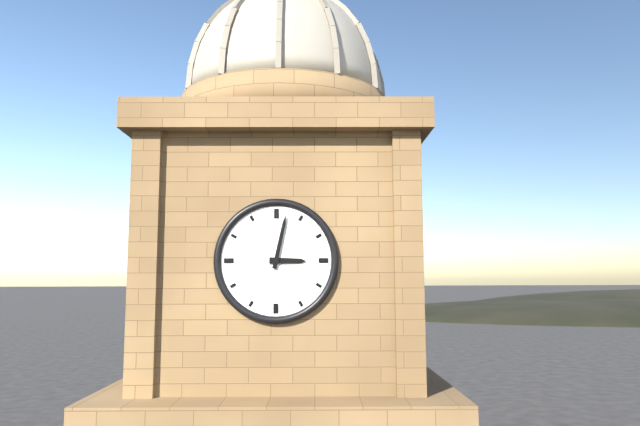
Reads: 3.02
